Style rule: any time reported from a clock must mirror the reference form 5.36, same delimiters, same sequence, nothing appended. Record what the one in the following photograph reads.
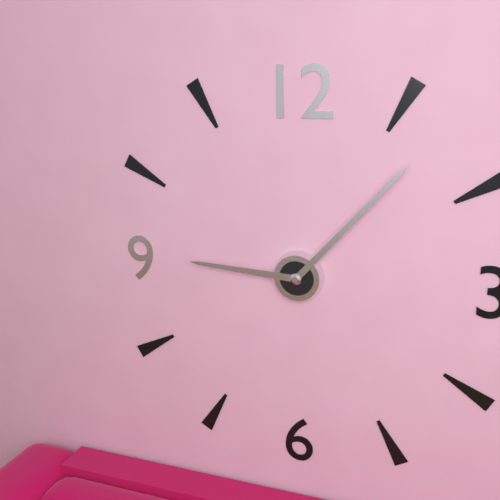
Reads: 9.07
